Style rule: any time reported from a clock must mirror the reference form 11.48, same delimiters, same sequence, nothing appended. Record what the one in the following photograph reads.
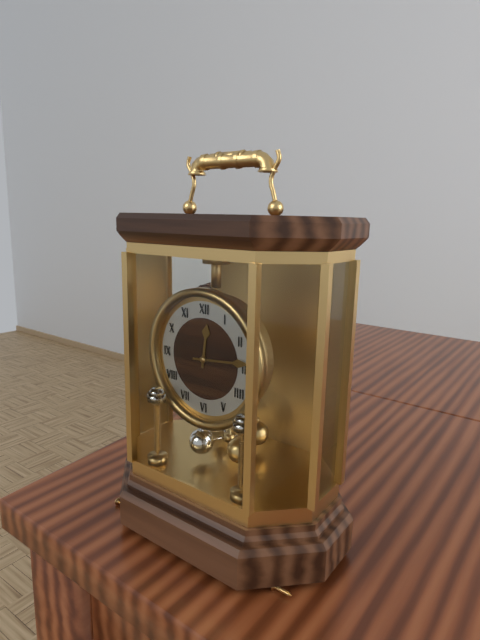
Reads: 12.14
